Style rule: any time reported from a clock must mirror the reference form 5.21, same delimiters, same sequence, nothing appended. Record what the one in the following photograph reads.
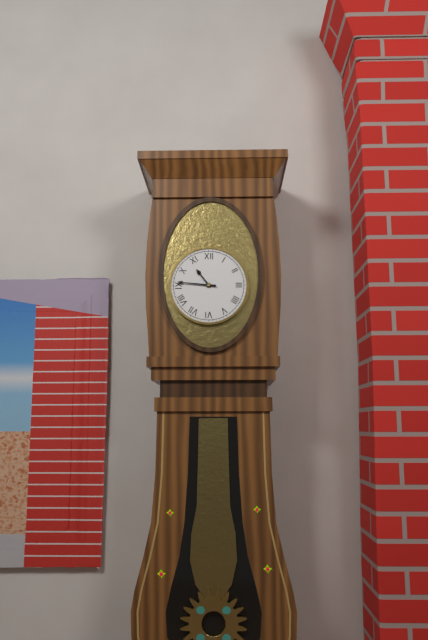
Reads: 10.46
